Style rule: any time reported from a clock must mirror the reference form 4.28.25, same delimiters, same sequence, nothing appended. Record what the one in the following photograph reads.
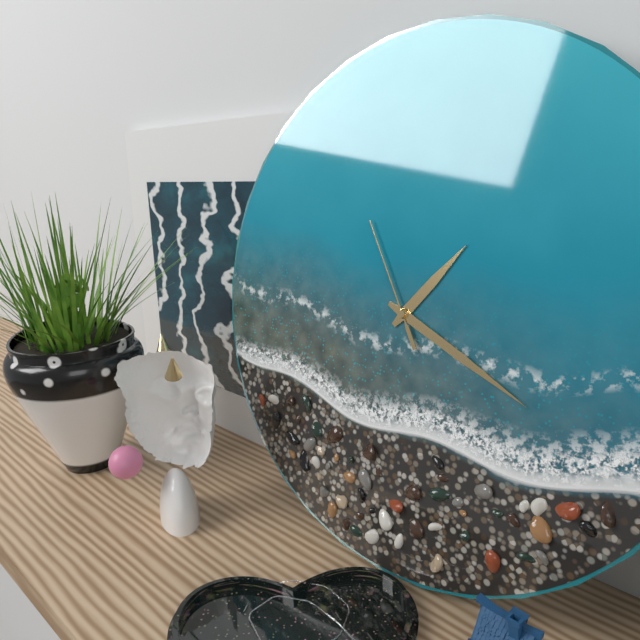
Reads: 1.19.55
